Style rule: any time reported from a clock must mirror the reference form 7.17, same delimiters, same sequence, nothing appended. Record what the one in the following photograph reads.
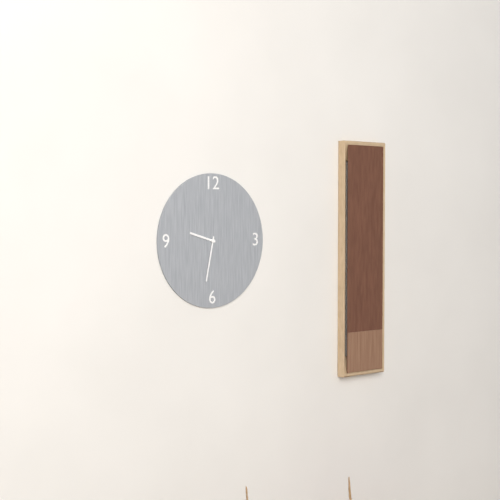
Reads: 9.32
